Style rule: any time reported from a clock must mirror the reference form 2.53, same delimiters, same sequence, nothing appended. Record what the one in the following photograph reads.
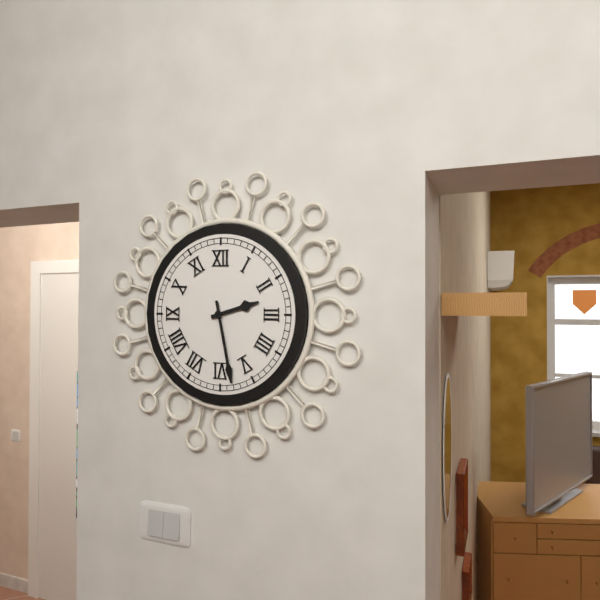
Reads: 2.28
